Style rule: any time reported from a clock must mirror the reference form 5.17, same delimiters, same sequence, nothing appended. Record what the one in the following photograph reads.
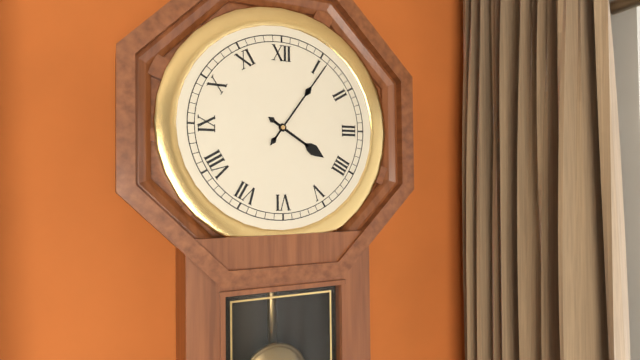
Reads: 4.06
